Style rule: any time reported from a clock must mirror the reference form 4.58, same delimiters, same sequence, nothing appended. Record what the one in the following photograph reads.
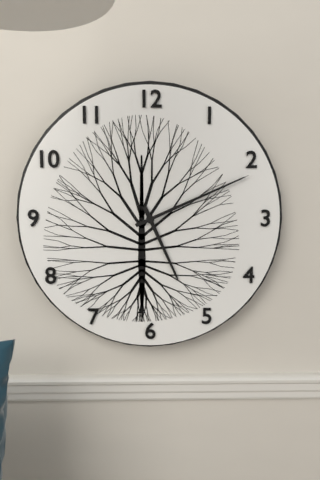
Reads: 5.11
